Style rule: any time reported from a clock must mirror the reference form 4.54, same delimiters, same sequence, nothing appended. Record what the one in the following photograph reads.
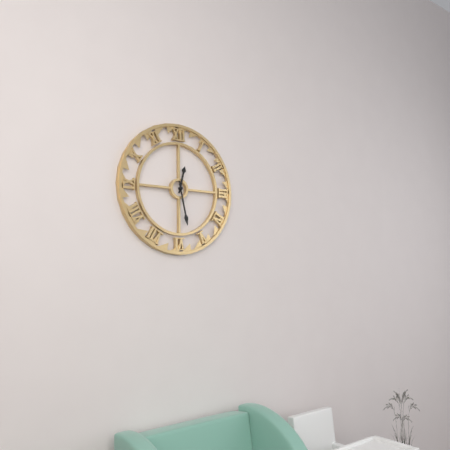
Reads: 12.28
